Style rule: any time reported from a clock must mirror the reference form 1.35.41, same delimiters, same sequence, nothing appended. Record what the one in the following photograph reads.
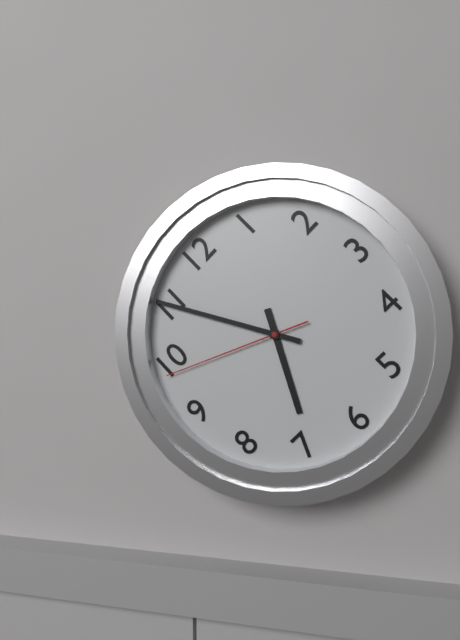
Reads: 6.55.49
